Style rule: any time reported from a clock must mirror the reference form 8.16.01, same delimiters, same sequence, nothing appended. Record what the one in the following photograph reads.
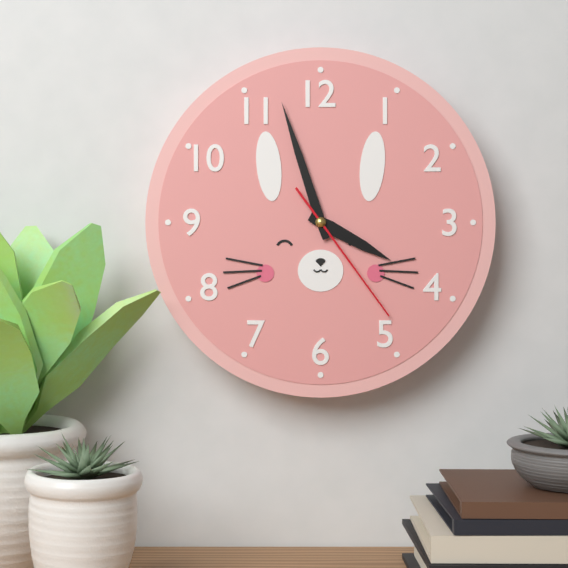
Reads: 3.57.24
